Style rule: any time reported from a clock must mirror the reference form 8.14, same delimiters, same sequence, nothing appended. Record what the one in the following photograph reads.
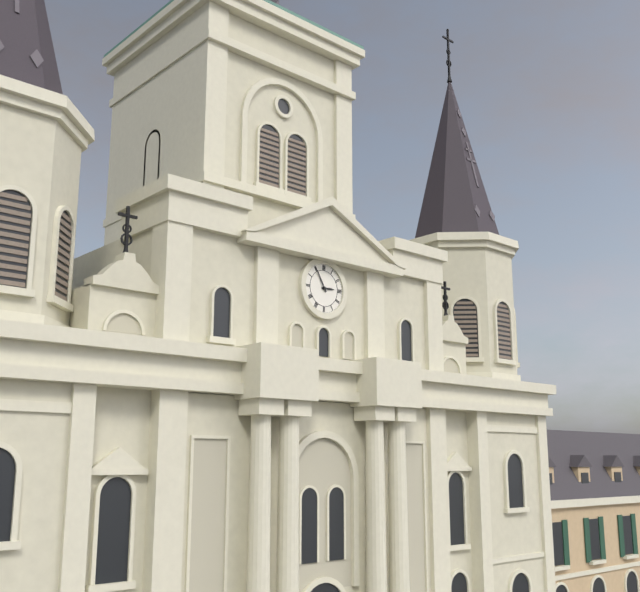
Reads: 2.55
